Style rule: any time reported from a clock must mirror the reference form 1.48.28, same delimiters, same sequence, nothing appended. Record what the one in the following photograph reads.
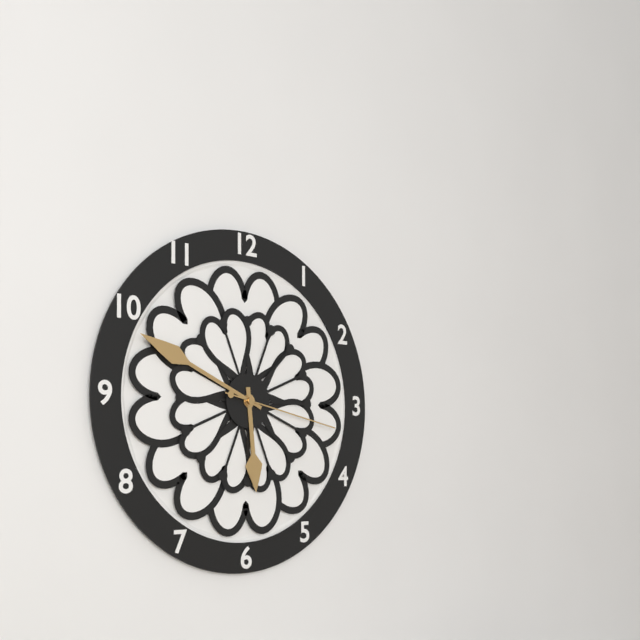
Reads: 5.49.17
